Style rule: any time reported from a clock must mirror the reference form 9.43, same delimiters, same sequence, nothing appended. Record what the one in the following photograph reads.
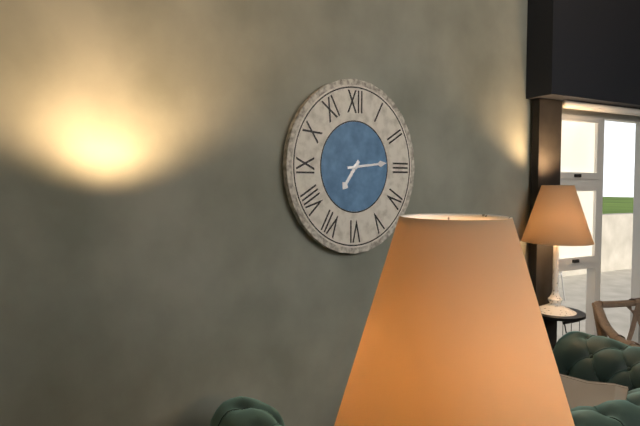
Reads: 7.14
